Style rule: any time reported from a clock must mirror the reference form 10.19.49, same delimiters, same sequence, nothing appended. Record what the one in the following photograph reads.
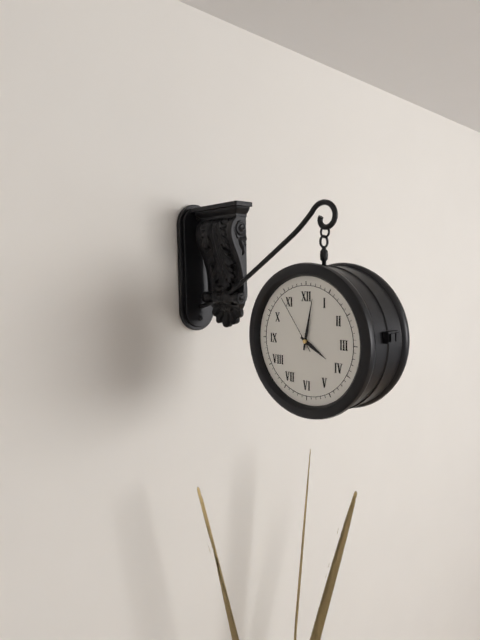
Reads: 4.02.54
